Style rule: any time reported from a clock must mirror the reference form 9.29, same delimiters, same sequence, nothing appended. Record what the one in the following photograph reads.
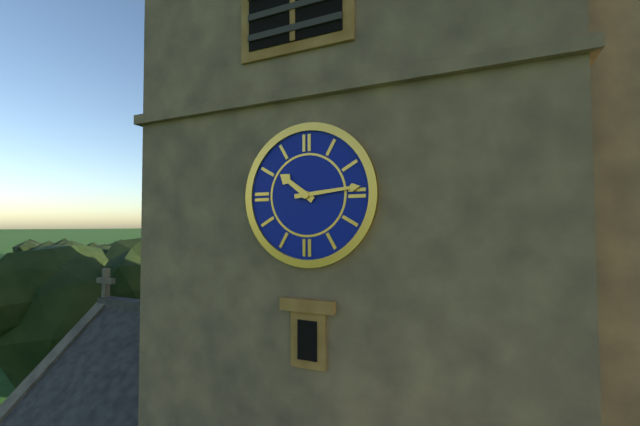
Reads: 10.14
